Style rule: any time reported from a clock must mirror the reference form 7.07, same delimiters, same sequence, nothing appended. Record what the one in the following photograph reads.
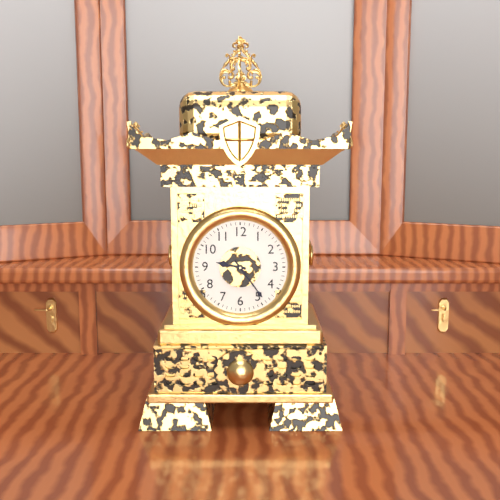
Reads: 9.24
